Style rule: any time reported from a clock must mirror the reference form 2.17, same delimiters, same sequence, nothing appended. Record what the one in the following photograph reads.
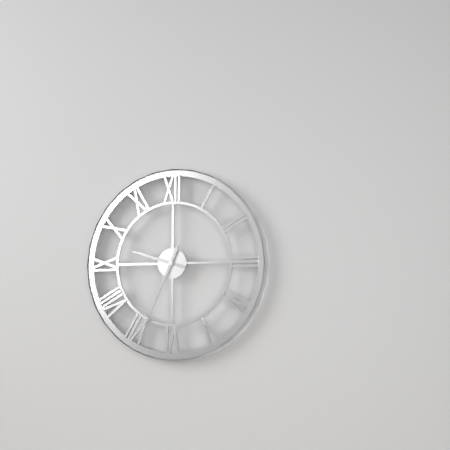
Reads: 9.34
